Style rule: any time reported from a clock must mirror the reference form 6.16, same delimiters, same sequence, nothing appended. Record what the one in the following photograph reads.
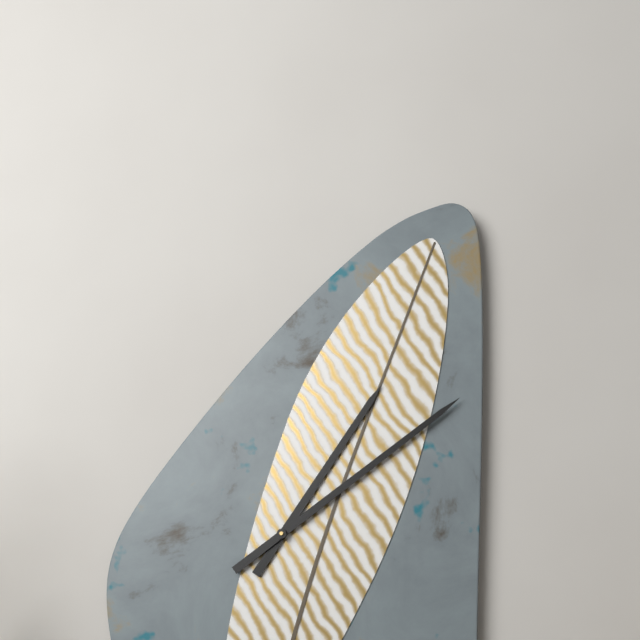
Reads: 1.09
